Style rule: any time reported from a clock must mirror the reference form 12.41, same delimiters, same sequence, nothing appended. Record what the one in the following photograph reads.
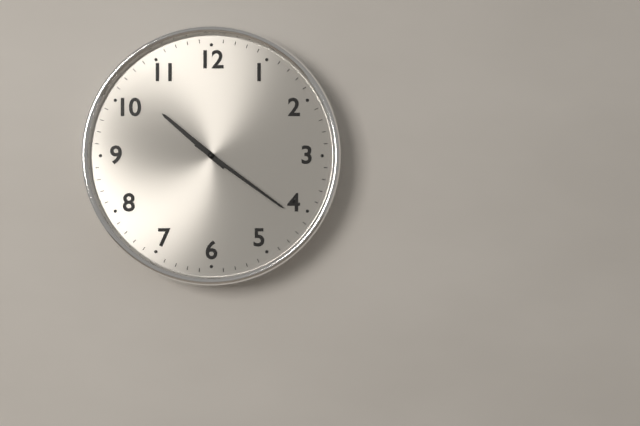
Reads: 10.21
